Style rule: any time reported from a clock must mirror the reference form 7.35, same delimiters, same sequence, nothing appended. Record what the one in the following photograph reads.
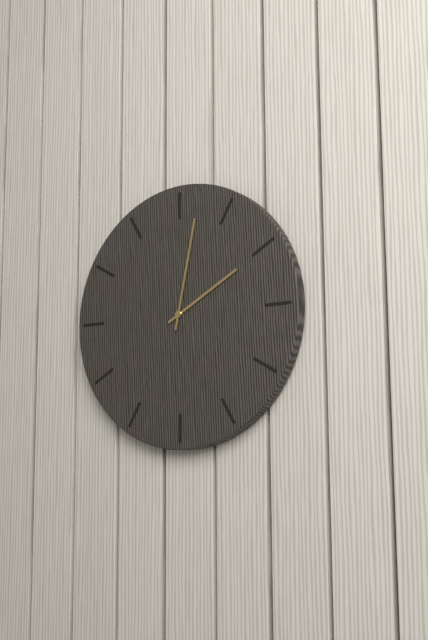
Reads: 2.02
